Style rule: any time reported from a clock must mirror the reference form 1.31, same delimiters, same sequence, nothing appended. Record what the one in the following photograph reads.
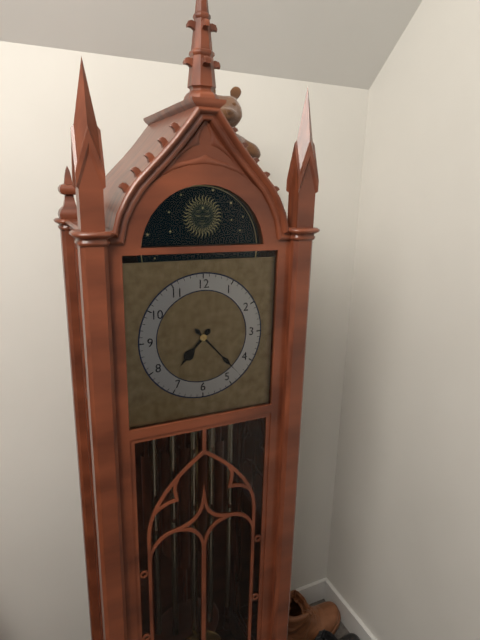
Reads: 7.23
